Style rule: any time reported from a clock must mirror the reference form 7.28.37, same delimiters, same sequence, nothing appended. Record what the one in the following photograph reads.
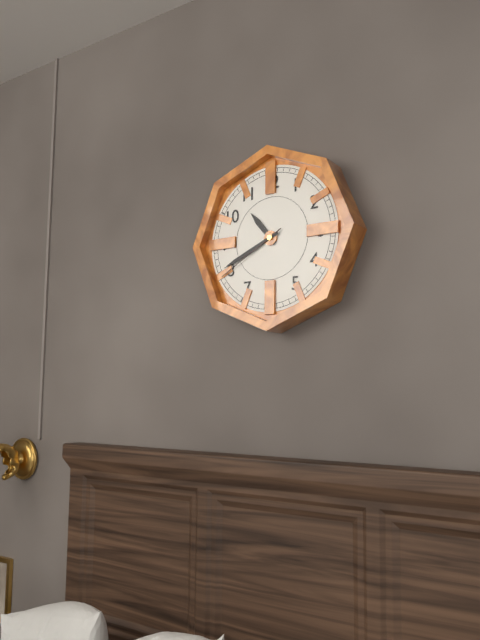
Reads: 10.41.40
